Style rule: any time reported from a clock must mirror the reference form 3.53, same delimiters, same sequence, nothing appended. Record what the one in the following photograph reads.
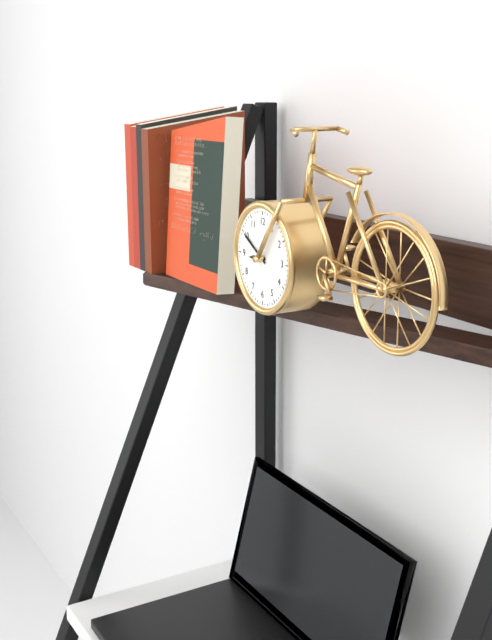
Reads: 8.50
